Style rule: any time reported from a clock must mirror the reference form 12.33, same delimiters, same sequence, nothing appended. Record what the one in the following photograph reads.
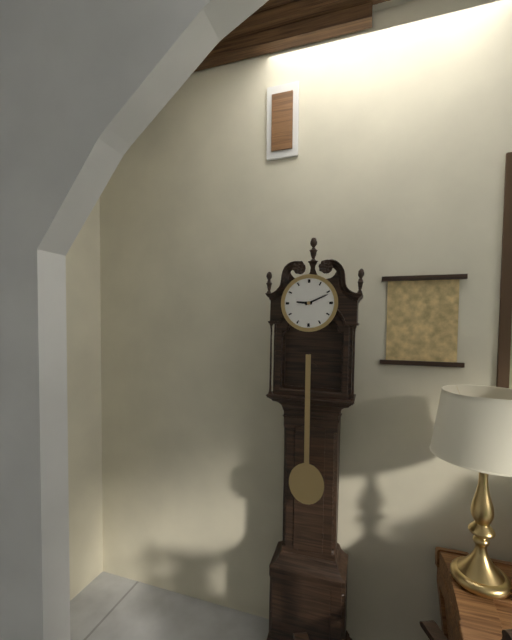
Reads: 9.11
